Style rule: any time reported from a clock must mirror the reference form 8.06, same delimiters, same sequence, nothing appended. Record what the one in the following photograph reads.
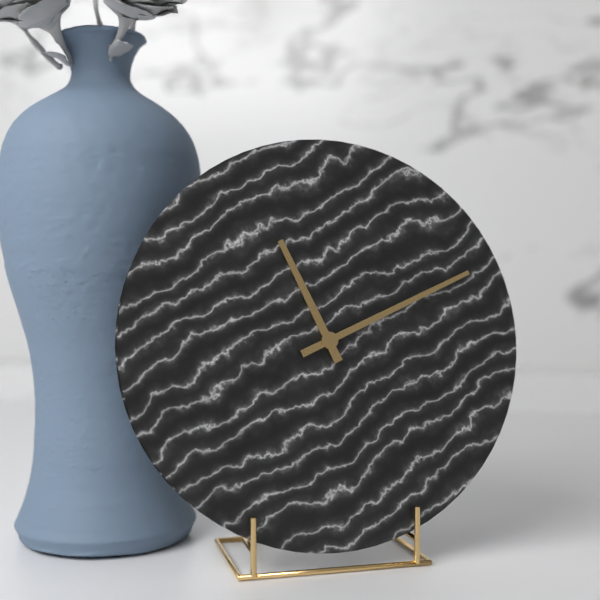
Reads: 11.11
